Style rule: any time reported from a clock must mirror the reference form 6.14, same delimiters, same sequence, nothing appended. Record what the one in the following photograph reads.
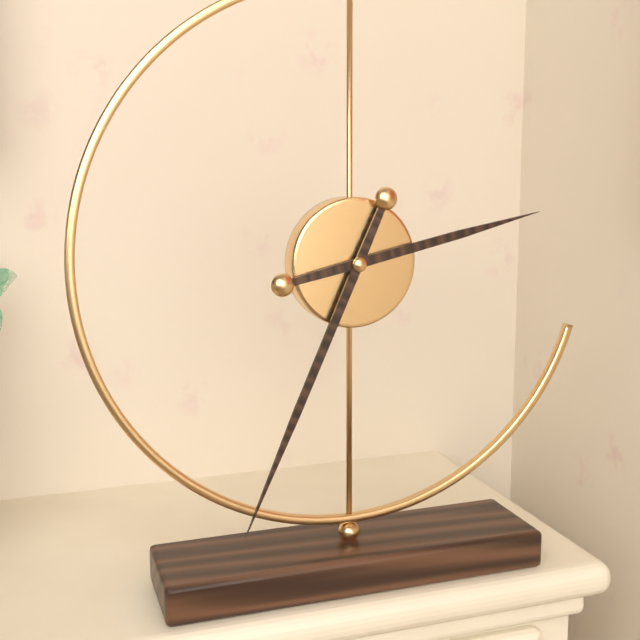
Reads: 2.34
